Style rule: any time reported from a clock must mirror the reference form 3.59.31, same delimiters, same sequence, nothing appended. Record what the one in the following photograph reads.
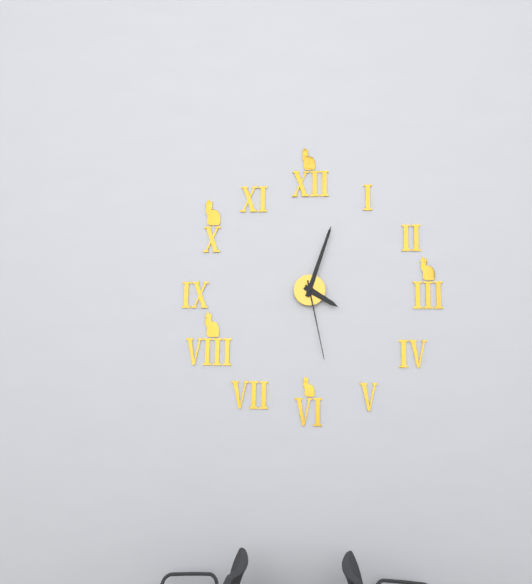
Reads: 4.03.28
